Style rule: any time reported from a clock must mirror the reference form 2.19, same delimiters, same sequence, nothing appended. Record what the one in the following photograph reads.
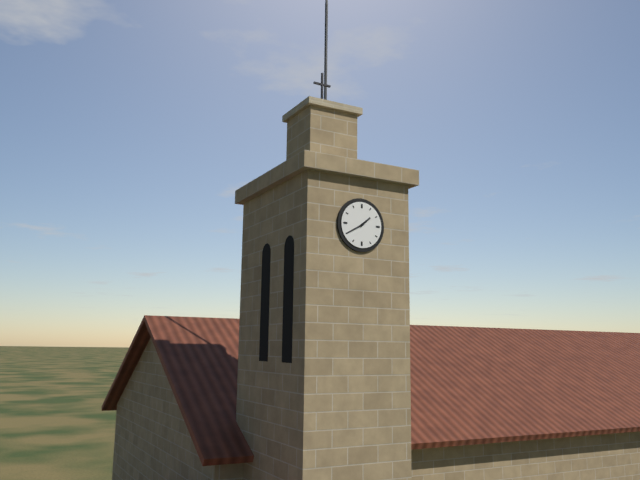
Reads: 1.40
